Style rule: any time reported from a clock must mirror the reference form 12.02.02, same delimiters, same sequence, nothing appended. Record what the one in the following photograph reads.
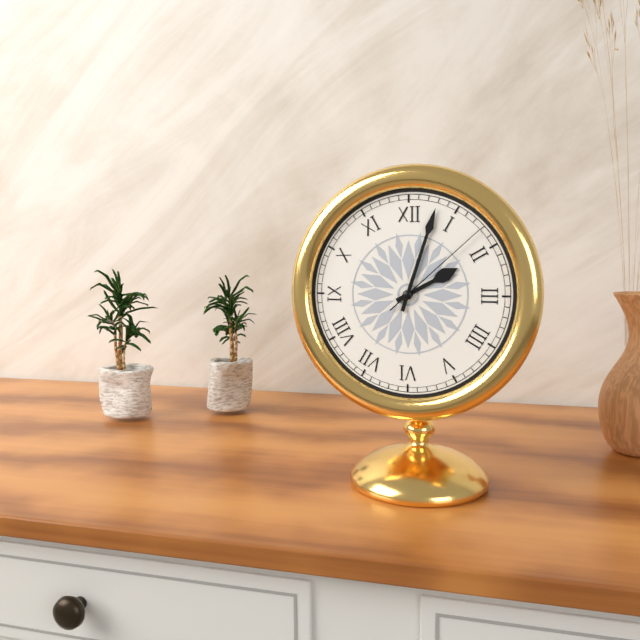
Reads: 2.03.08
